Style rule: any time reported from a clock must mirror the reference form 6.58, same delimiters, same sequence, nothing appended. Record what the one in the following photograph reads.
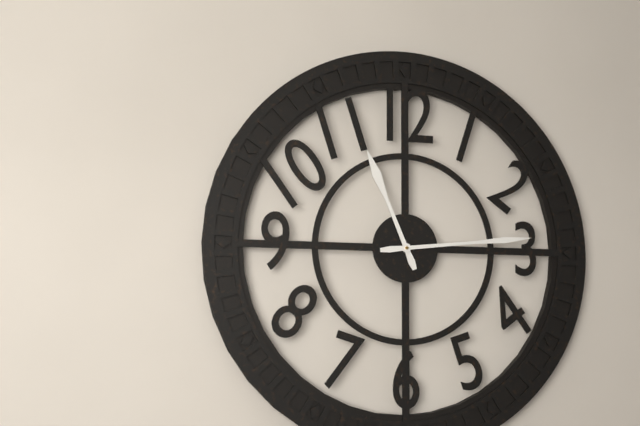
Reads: 11.14
